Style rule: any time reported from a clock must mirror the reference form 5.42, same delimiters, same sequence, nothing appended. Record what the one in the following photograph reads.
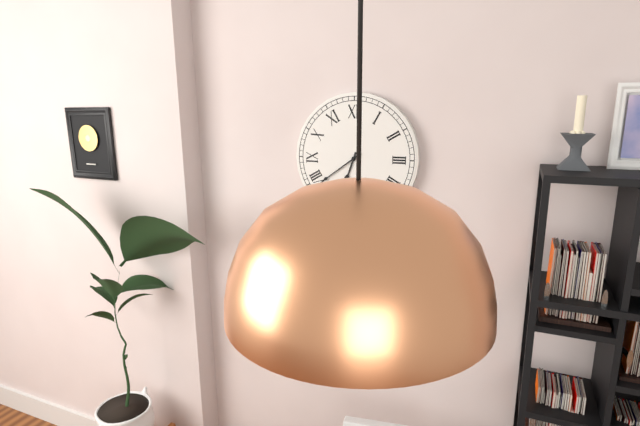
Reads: 6.39
